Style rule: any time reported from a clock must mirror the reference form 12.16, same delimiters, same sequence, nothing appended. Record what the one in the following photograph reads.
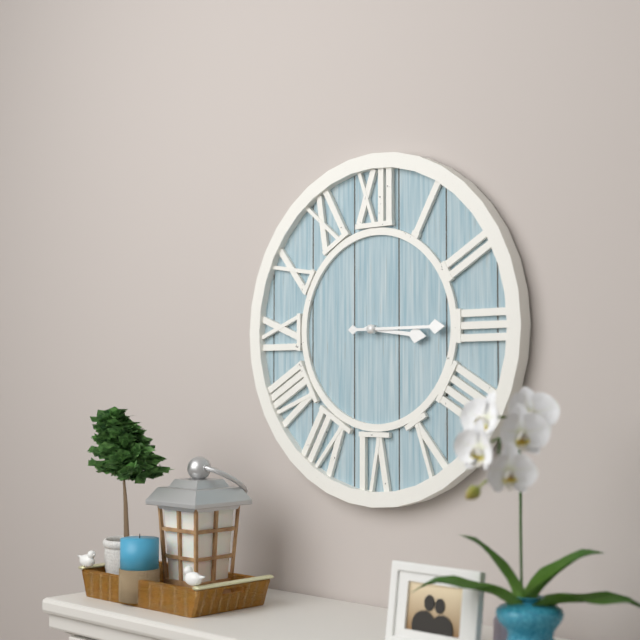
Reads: 3.15
